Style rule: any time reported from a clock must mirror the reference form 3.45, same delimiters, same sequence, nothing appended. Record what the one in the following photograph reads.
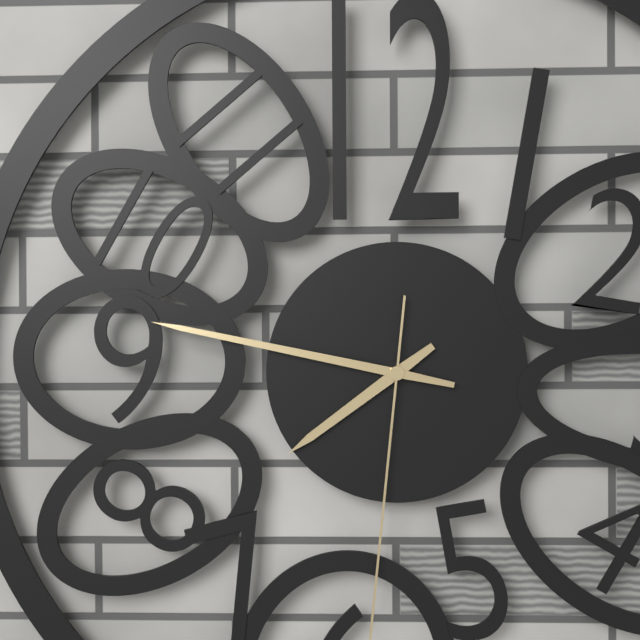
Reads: 7.47
